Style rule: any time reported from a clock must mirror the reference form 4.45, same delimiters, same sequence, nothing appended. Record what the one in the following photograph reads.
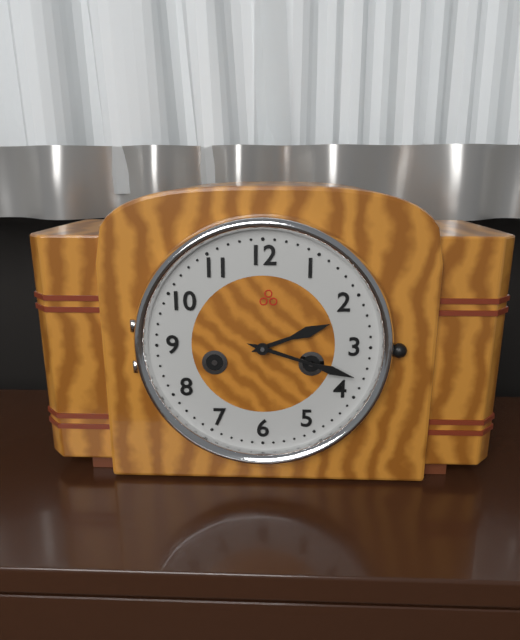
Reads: 2.18
